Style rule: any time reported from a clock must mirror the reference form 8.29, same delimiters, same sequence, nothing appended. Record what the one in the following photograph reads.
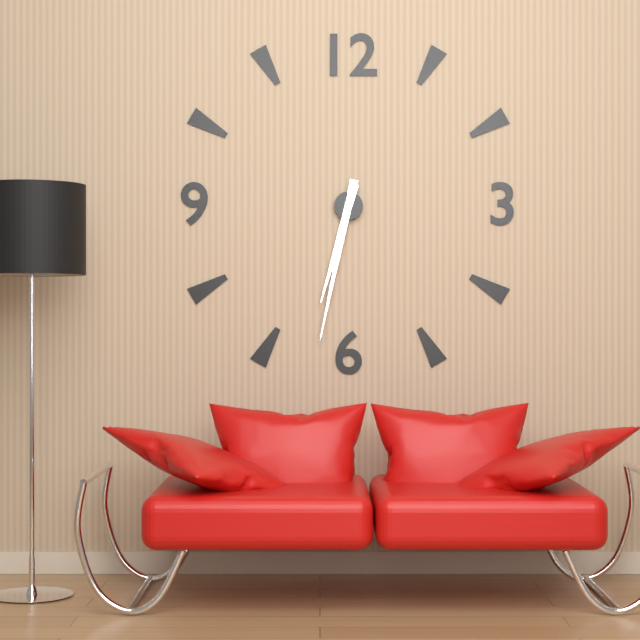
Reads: 6.32
